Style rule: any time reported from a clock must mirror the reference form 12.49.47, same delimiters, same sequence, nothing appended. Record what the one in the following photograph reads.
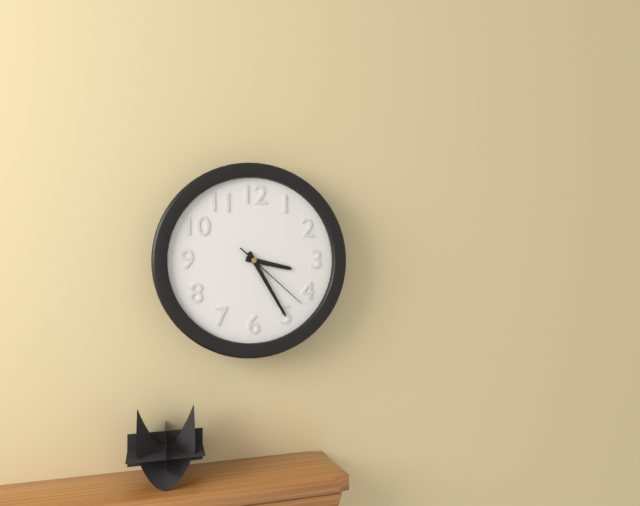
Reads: 3.25.22
